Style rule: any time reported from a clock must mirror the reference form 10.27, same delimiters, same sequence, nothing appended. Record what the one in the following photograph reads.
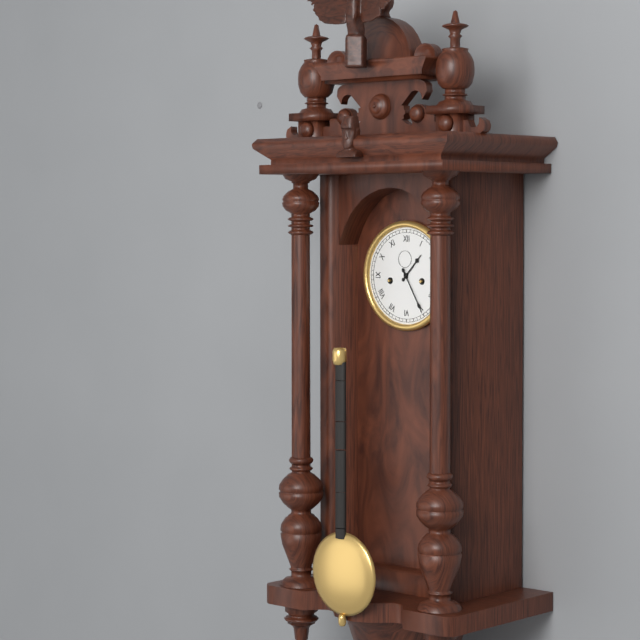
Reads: 1.25
